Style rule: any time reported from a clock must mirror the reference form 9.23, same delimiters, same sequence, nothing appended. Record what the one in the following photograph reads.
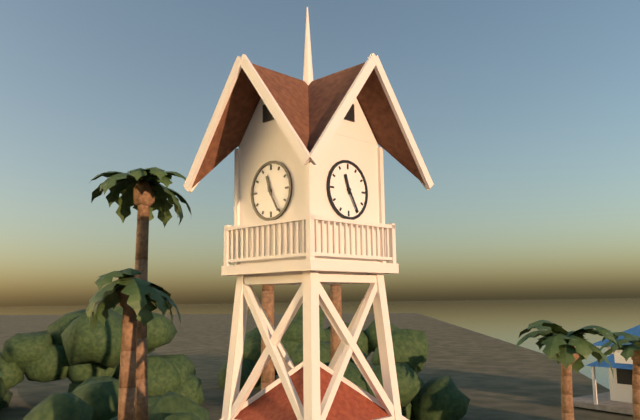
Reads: 11.25
